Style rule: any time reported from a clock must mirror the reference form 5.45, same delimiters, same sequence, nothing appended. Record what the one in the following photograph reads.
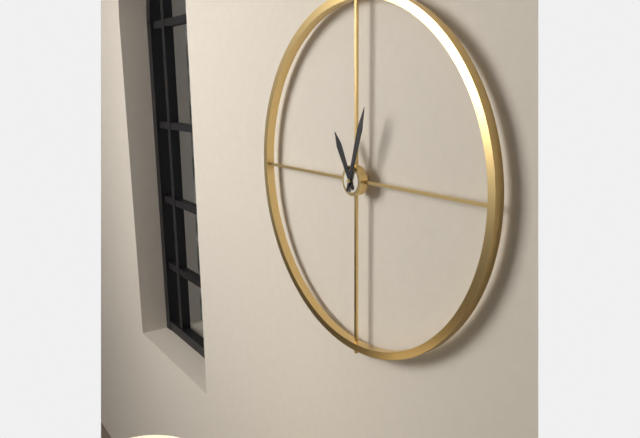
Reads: 11.03
